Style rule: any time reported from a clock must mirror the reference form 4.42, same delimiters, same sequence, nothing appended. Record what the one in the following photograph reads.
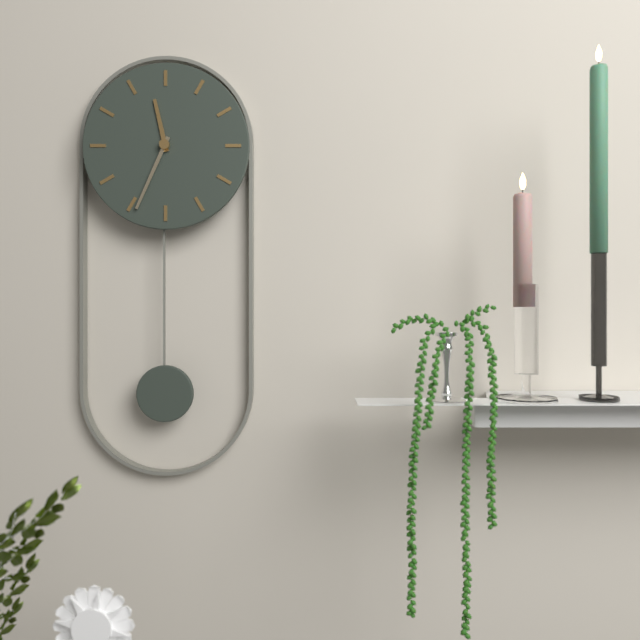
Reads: 11.34
